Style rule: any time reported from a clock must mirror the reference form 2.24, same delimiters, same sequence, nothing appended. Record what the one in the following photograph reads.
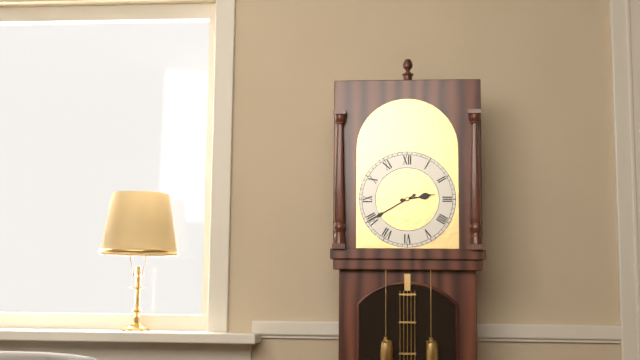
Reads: 2.40
